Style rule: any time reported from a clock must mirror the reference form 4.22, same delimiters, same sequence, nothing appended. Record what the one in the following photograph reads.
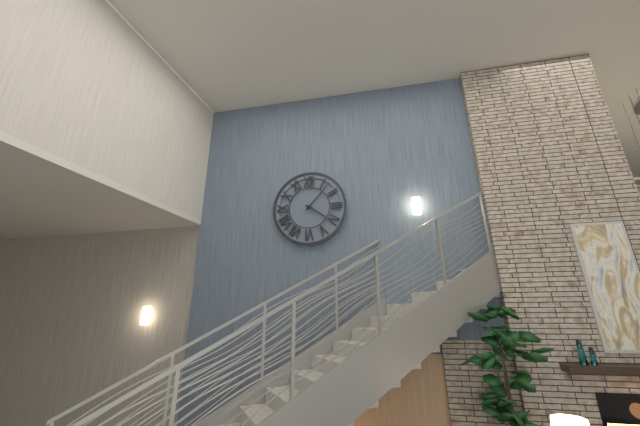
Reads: 4.07
